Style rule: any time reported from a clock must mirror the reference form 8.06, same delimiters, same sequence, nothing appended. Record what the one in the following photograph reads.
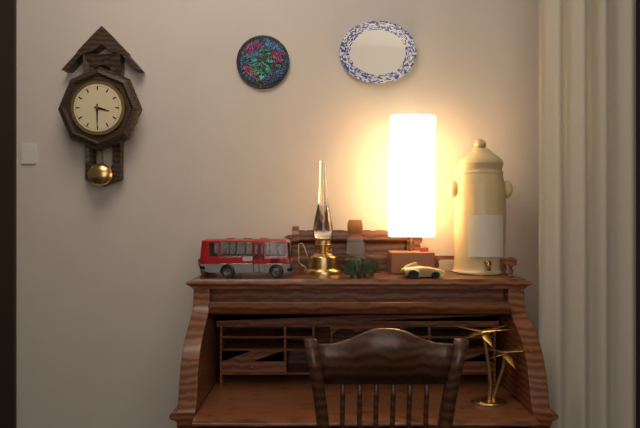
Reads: 3.30
